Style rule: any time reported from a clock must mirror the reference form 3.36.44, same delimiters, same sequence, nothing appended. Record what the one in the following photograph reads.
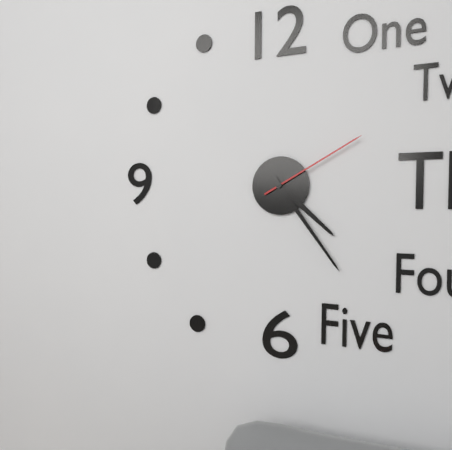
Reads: 4.24.10
